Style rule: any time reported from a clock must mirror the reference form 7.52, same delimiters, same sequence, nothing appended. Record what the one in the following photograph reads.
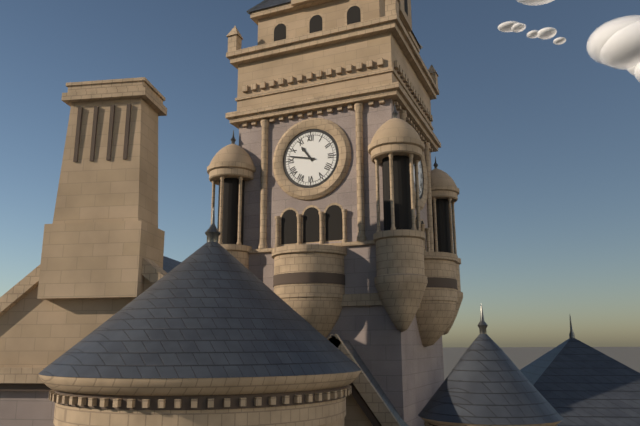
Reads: 10.47
